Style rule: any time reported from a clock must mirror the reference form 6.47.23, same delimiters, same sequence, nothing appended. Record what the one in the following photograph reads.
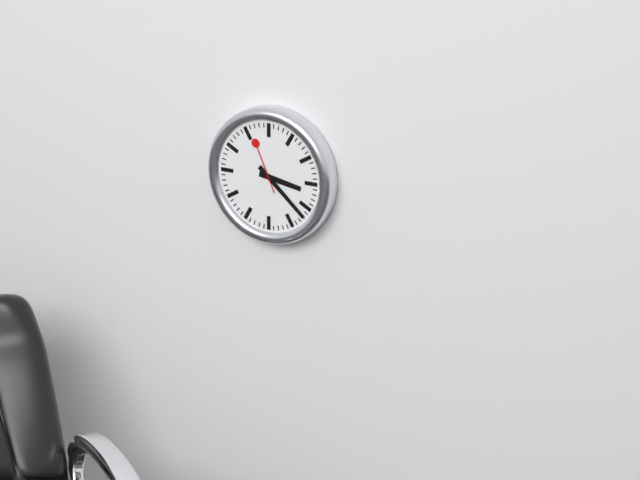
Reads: 3.22.56
